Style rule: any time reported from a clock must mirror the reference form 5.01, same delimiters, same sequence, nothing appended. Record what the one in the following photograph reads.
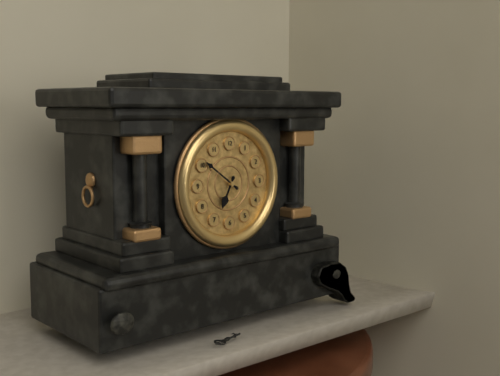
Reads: 6.51
